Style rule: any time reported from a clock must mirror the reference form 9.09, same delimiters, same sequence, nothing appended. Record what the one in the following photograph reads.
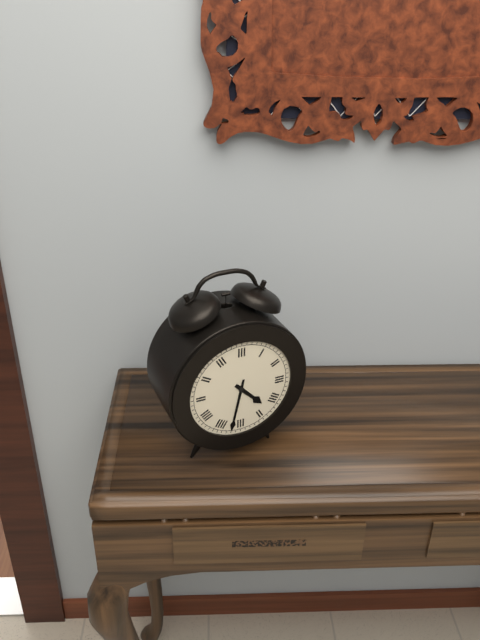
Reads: 4.32
